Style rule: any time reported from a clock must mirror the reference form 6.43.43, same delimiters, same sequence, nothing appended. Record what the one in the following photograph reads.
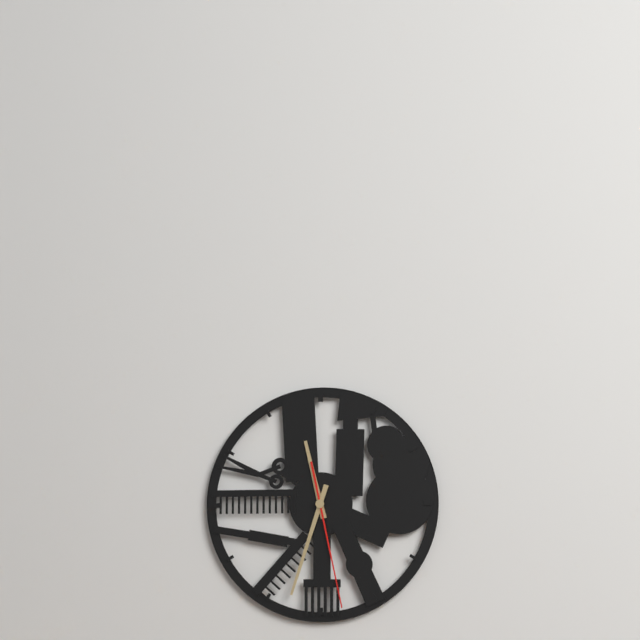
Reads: 11.33.28
